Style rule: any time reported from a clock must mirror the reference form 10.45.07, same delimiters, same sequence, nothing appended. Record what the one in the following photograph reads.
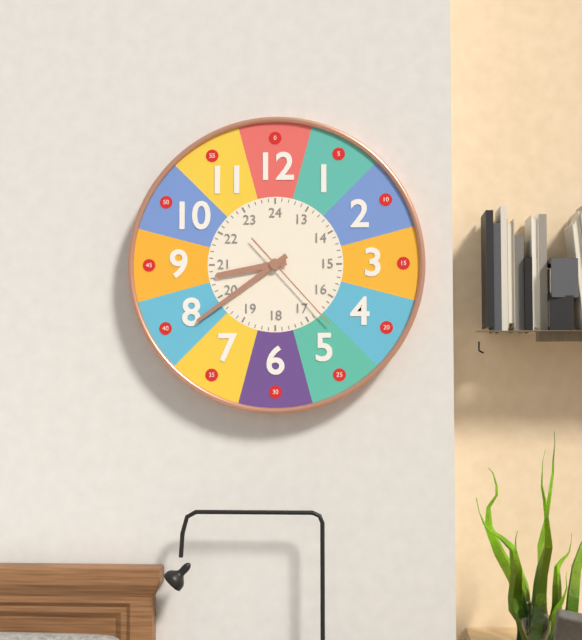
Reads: 8.39.23
